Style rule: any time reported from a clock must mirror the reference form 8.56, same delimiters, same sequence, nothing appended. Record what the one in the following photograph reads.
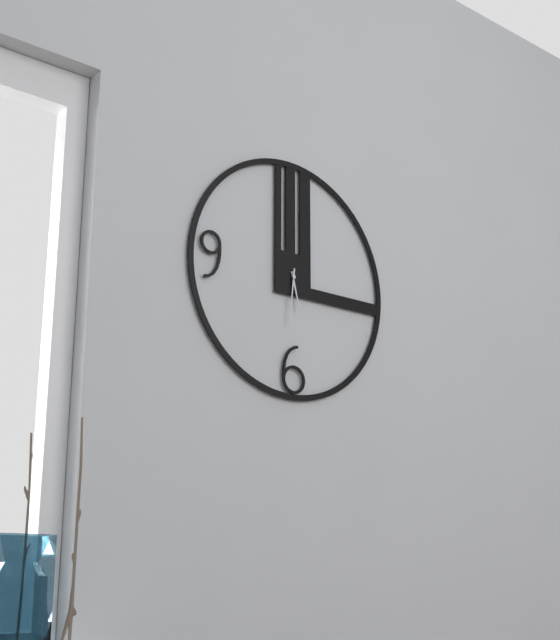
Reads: 5.31
